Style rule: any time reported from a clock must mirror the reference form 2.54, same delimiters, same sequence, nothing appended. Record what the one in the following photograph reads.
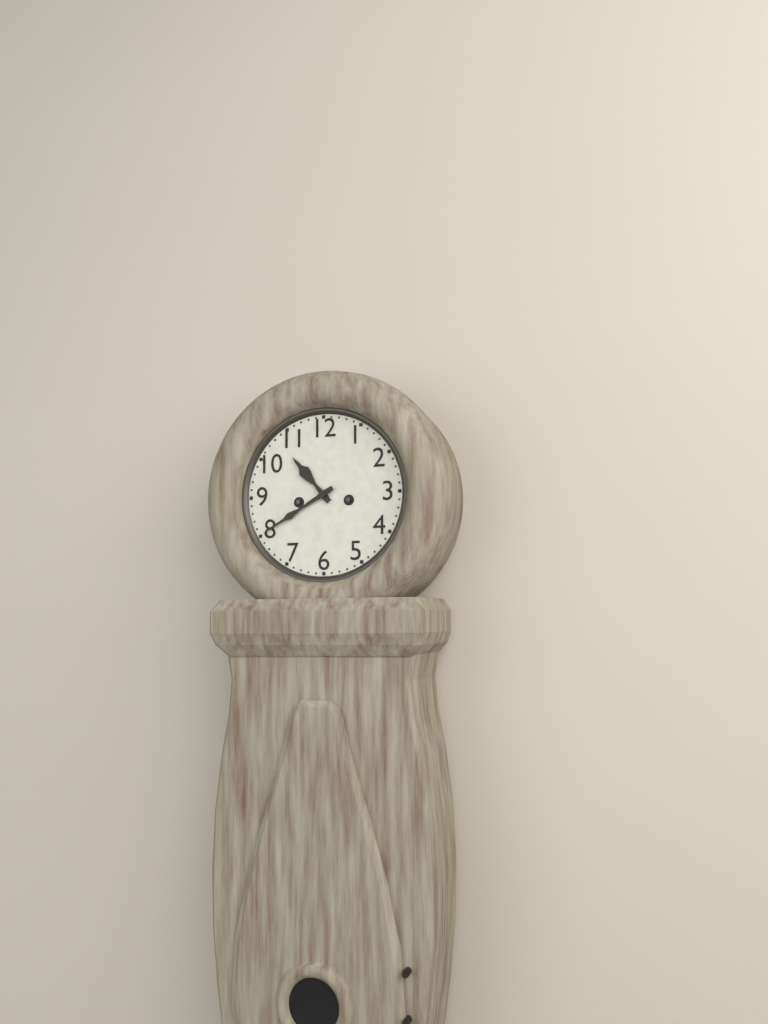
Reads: 10.40
